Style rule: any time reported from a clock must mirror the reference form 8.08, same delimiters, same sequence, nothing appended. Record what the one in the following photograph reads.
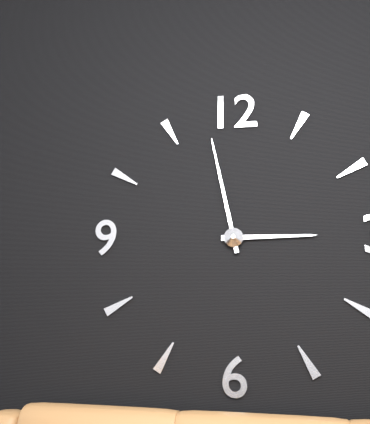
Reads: 2.58
